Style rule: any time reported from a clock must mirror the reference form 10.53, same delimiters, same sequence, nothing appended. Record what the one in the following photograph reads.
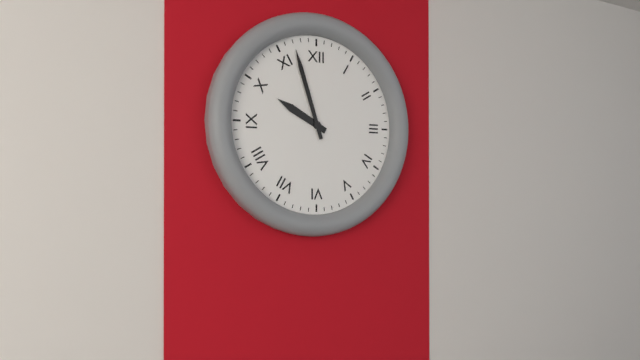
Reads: 9.57
